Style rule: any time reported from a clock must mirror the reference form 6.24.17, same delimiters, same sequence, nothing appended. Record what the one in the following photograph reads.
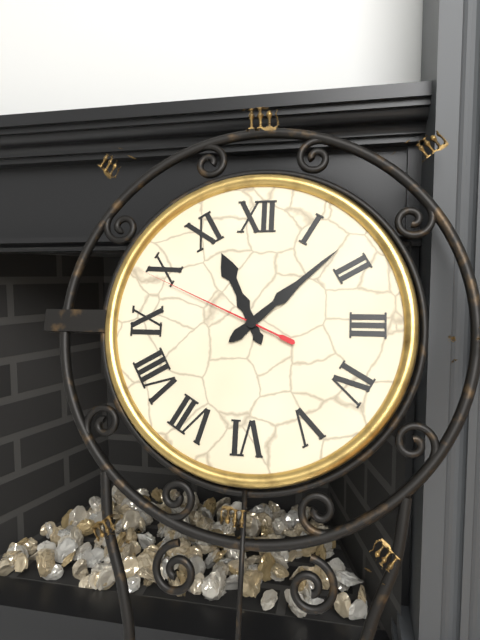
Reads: 11.08.49
